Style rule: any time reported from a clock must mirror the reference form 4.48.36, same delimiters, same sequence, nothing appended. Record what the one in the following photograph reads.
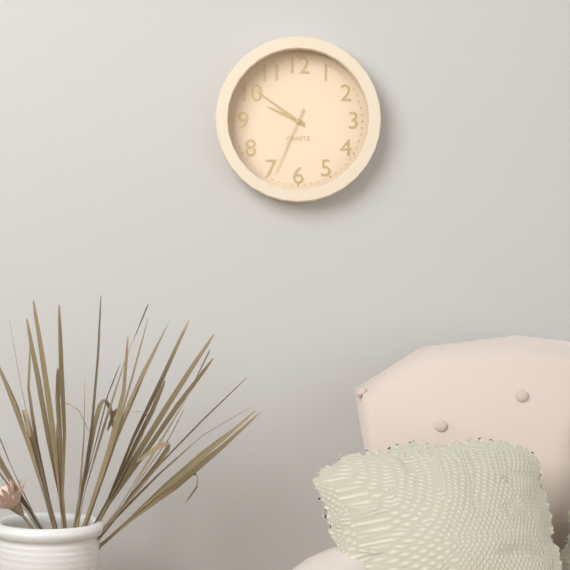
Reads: 9.51.34
